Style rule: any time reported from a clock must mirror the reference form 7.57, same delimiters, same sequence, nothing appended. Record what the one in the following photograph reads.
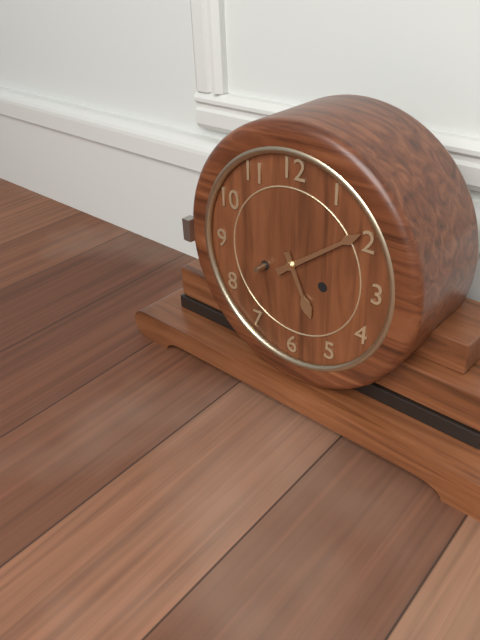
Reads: 5.09
